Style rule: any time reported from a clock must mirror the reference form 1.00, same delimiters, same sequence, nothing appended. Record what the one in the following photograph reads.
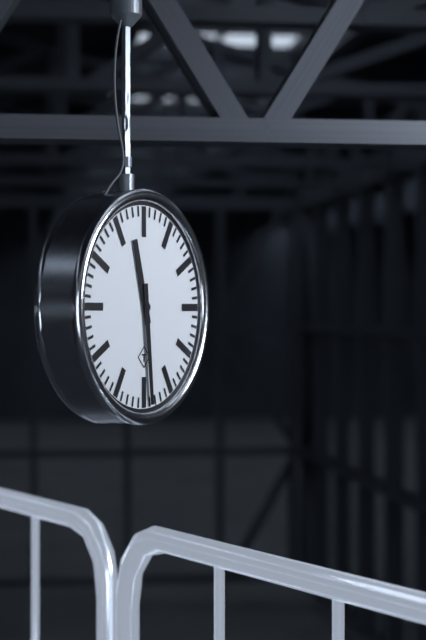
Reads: 11.29
